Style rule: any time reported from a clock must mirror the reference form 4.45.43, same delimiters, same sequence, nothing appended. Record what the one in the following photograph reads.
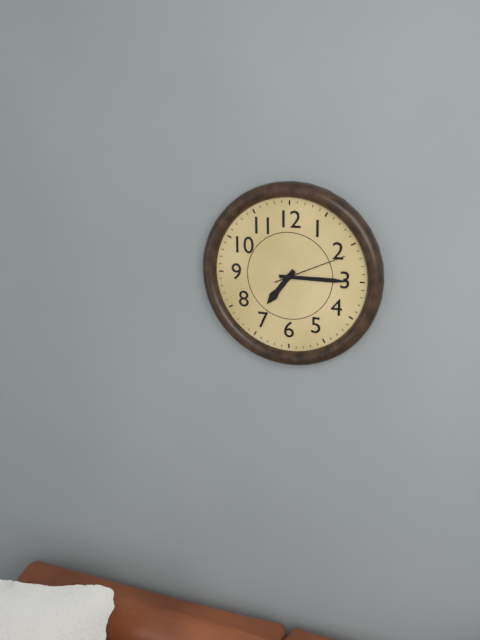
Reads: 7.15.11
